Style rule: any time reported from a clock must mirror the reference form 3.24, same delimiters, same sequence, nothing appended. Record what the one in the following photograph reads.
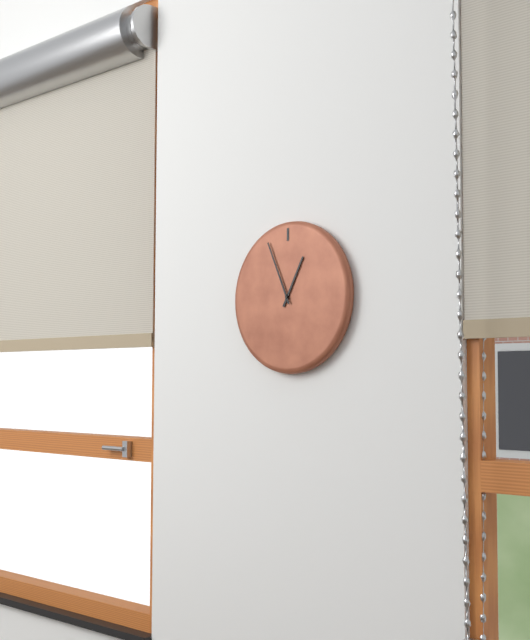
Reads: 12.56
